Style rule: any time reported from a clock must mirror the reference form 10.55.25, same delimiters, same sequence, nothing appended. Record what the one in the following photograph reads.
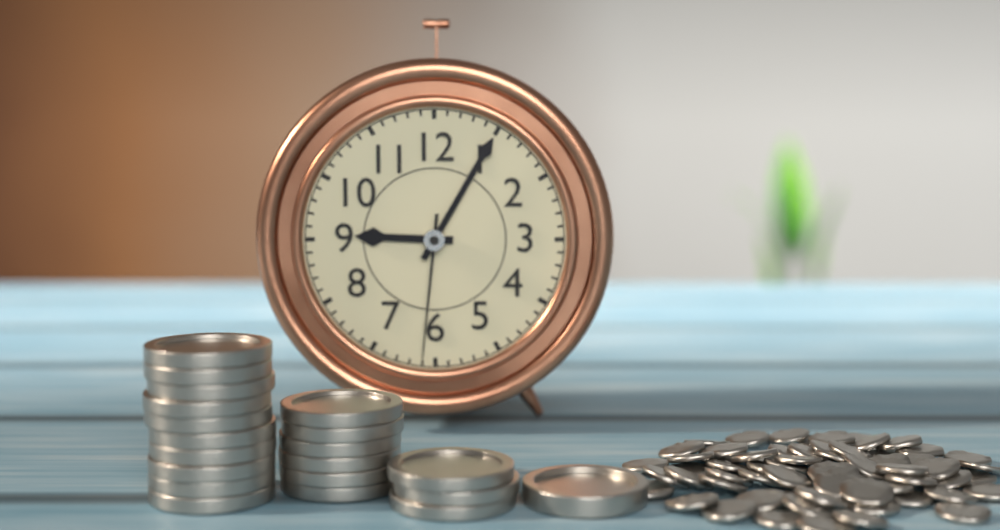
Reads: 9.05.31
